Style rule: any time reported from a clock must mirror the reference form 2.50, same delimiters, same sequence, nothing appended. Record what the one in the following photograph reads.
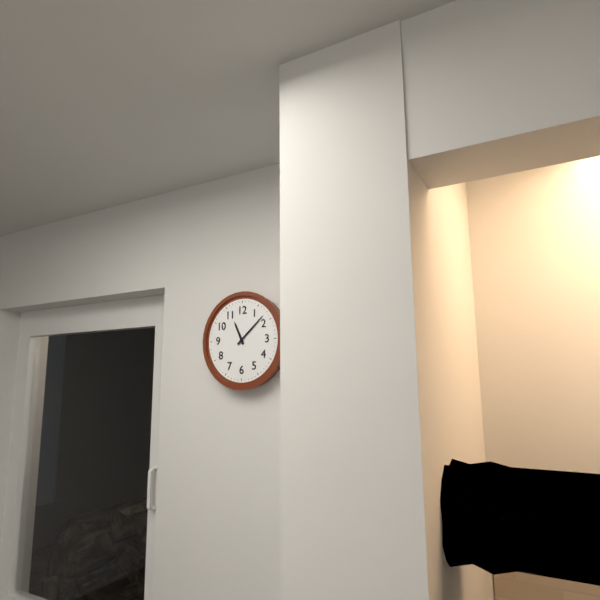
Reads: 11.08
